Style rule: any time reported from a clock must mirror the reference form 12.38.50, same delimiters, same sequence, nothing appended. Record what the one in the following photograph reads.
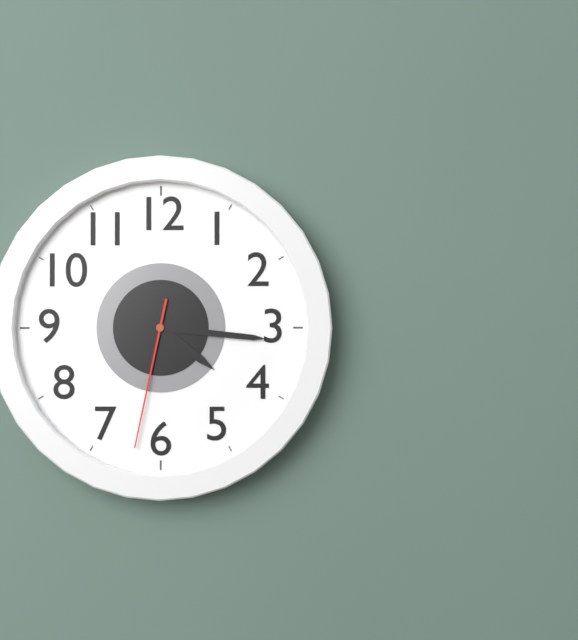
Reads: 4.16.32
